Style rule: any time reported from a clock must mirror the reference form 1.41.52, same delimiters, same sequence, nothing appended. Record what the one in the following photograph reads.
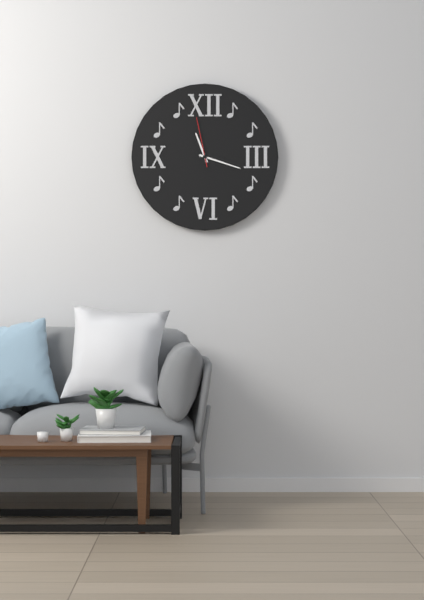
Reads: 11.18.58
